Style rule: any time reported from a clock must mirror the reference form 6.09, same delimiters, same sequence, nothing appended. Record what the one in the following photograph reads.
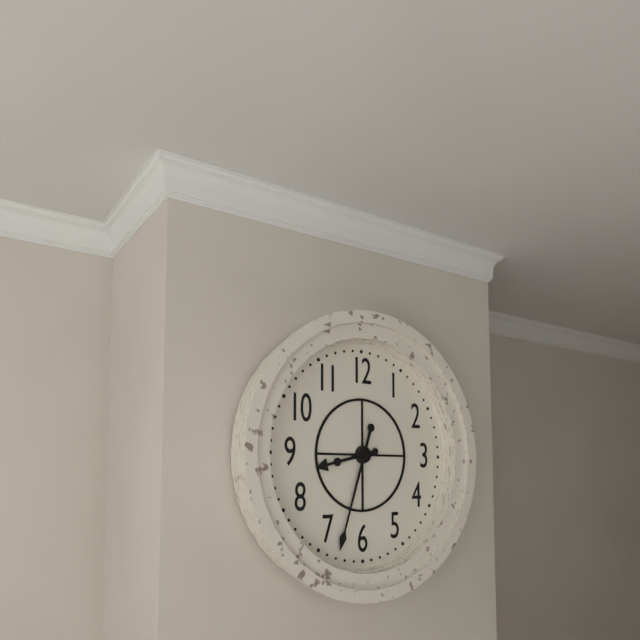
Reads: 8.33
